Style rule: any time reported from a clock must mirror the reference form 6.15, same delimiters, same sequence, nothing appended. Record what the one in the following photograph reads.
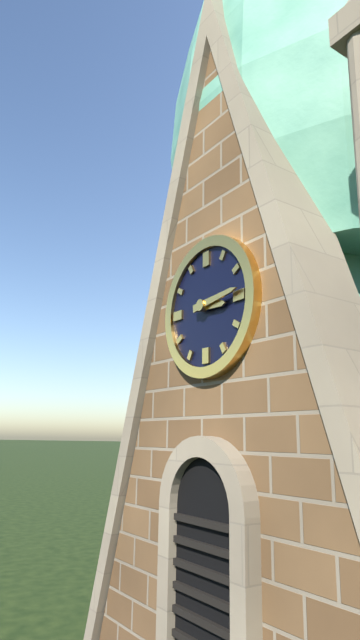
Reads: 3.14
